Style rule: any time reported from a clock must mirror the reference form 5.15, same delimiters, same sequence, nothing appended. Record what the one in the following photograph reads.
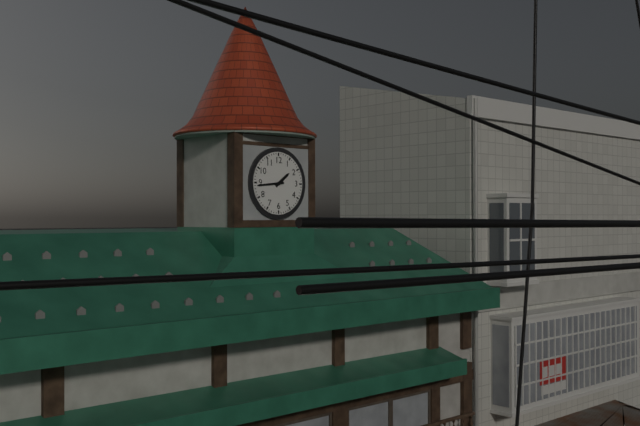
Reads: 1.44
